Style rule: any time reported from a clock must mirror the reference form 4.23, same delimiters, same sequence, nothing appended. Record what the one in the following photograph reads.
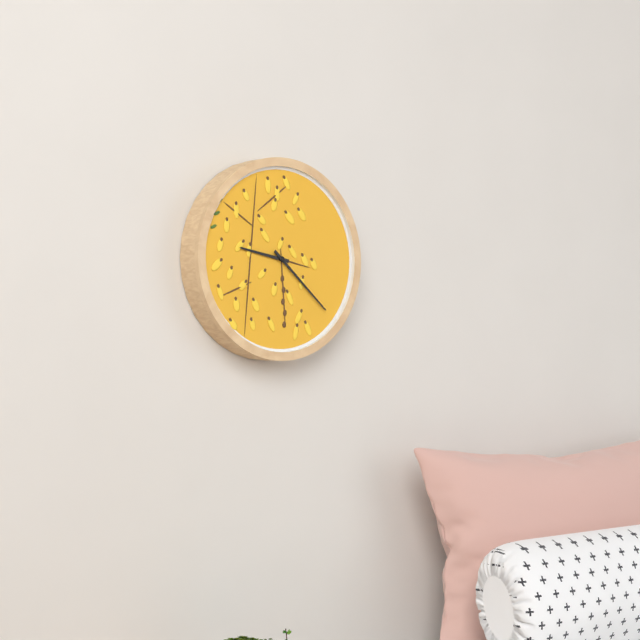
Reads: 9.22
